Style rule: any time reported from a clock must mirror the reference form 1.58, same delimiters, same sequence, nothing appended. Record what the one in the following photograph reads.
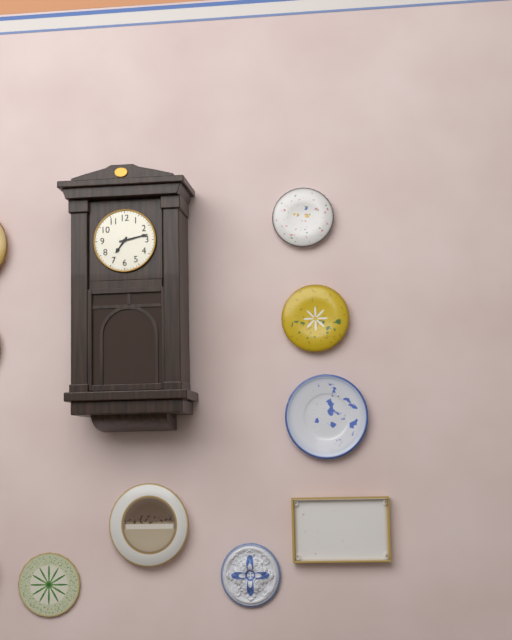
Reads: 7.13
